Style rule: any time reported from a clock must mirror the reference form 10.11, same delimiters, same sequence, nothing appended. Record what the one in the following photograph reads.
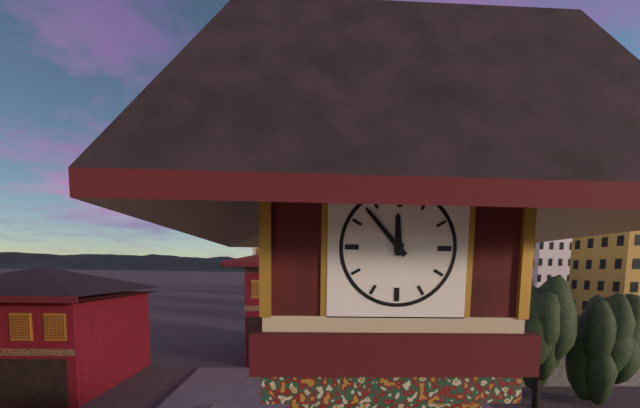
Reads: 11.53
